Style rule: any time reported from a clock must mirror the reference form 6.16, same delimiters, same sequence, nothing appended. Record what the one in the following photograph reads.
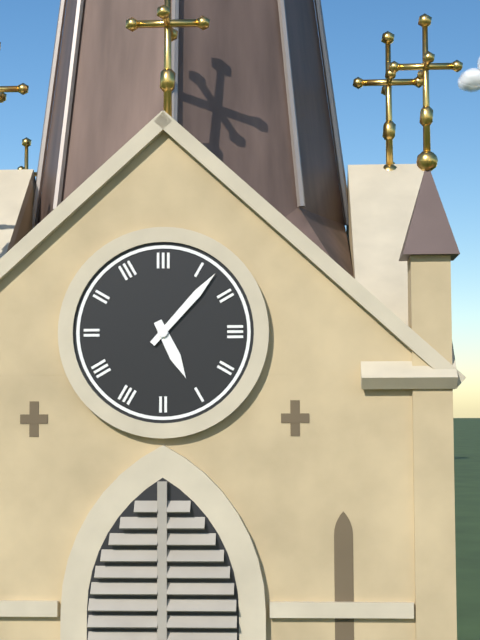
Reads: 5.07
